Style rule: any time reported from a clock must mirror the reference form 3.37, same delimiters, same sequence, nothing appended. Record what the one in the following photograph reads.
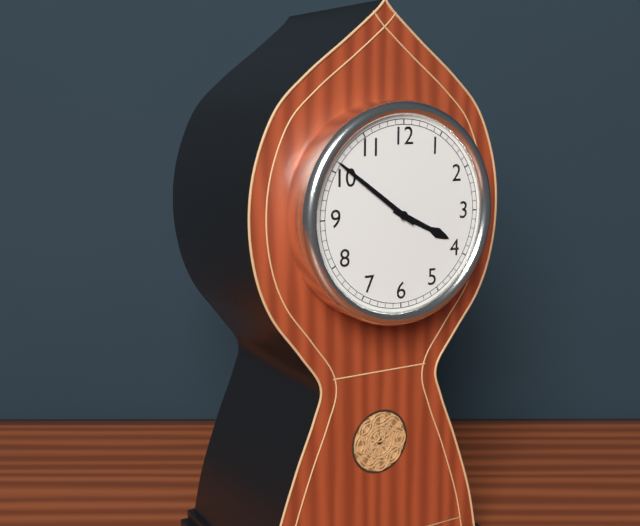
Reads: 3.51
